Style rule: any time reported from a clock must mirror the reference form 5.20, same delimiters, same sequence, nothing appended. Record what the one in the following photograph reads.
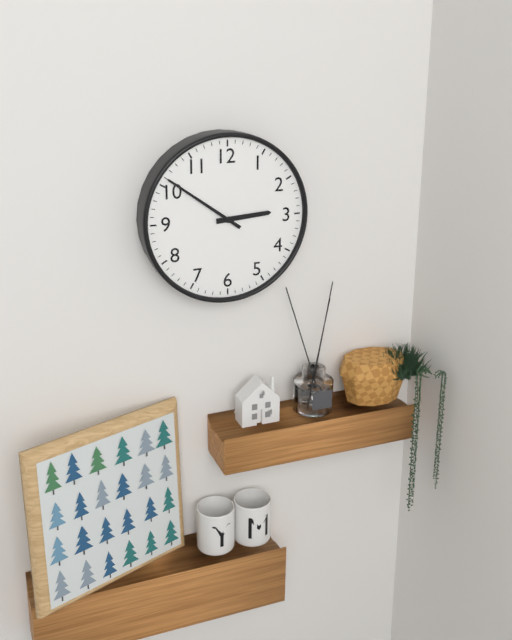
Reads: 2.51
